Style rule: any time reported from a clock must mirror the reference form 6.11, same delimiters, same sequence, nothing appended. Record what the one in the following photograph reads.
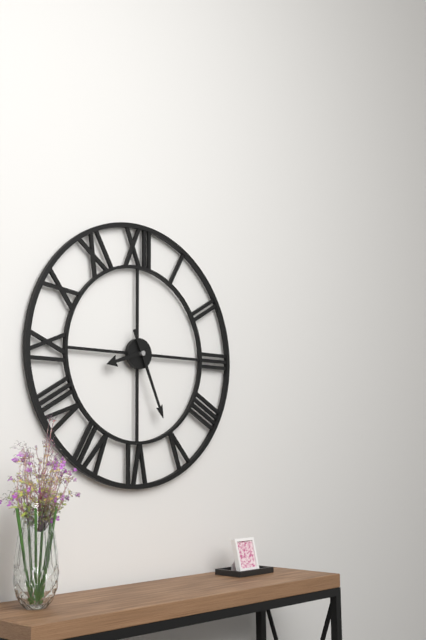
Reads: 8.26
